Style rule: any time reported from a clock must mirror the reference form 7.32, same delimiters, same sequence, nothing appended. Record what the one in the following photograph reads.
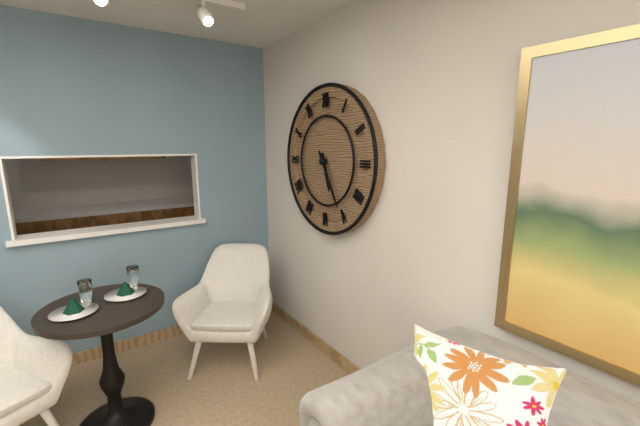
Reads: 5.25
